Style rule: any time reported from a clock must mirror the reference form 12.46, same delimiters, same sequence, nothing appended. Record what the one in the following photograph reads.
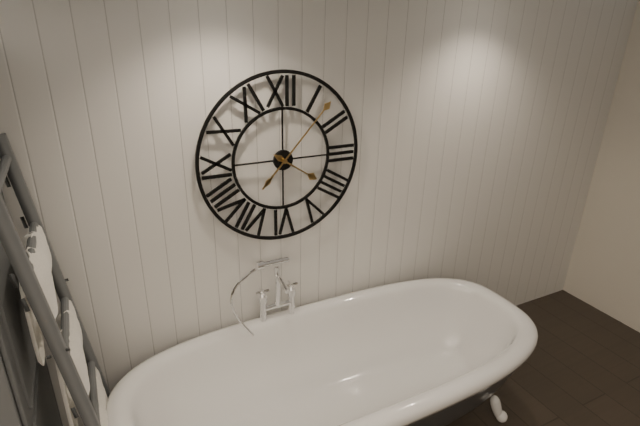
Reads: 4.07
